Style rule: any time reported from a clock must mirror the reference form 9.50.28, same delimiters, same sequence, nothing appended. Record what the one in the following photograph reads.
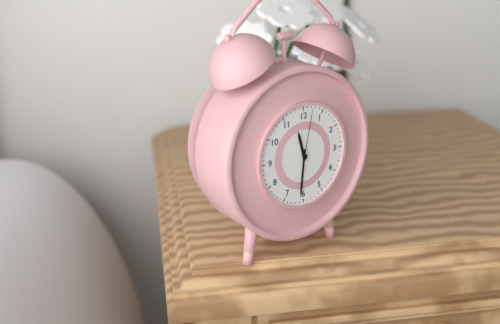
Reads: 11.31.02
